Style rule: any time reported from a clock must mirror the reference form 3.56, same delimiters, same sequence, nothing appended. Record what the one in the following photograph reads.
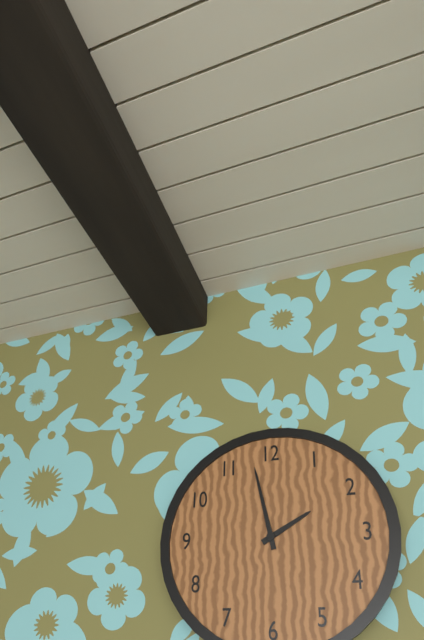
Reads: 1.58
